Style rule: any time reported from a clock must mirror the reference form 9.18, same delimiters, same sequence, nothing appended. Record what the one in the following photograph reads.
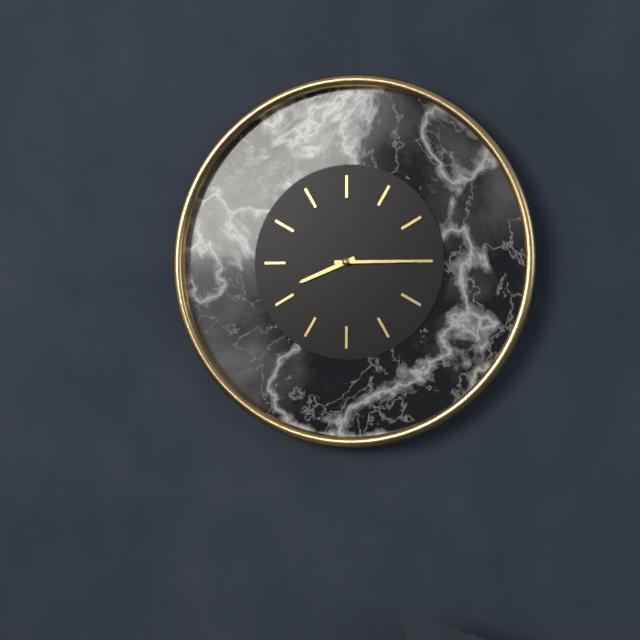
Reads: 8.15
